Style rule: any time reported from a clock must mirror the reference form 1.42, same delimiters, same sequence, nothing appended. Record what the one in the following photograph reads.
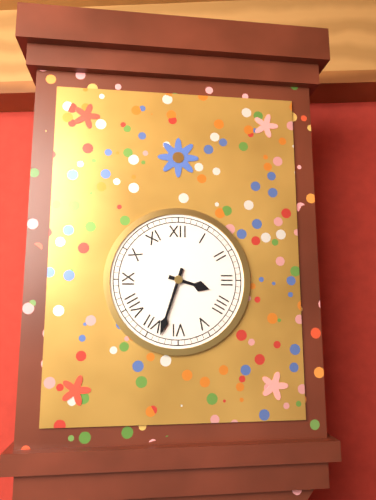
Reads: 3.33
